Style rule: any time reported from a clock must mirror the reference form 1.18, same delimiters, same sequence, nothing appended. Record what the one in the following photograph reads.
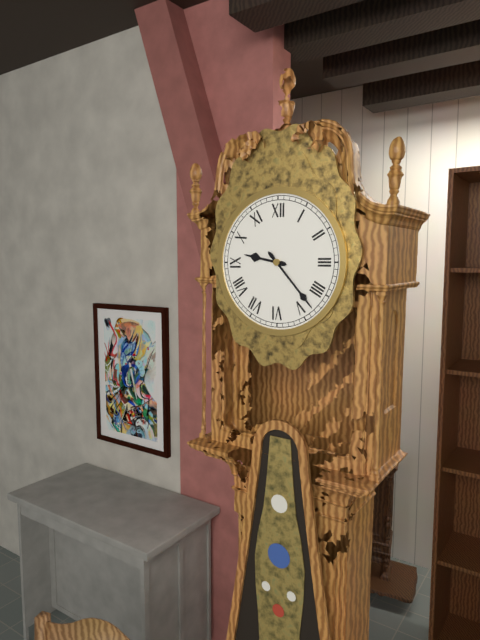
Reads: 9.23
